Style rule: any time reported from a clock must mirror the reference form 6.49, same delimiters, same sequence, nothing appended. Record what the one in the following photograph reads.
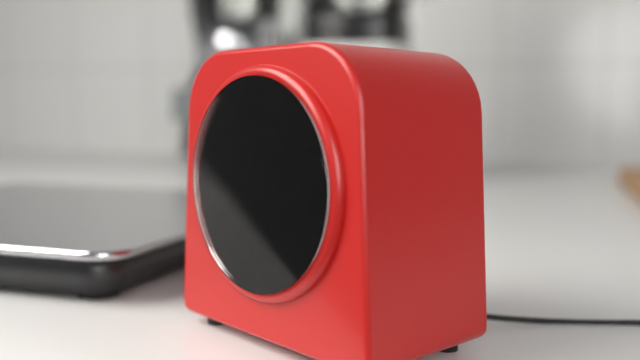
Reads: 12.26
